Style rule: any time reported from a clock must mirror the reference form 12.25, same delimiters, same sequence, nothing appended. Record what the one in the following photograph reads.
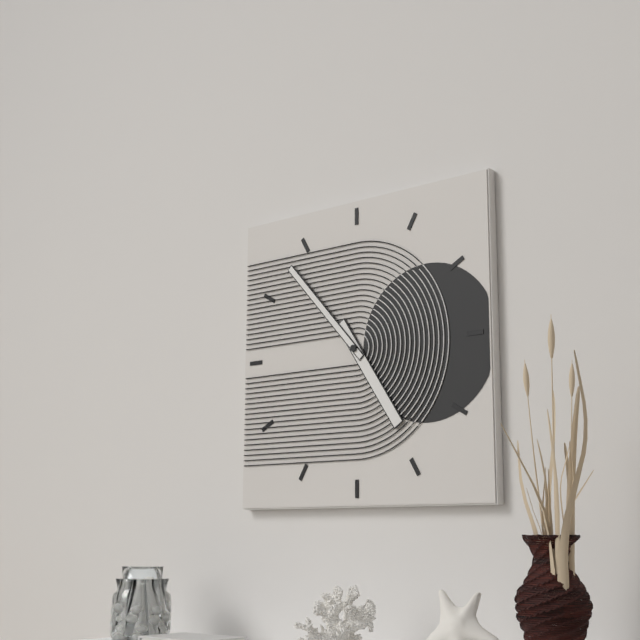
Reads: 4.53
